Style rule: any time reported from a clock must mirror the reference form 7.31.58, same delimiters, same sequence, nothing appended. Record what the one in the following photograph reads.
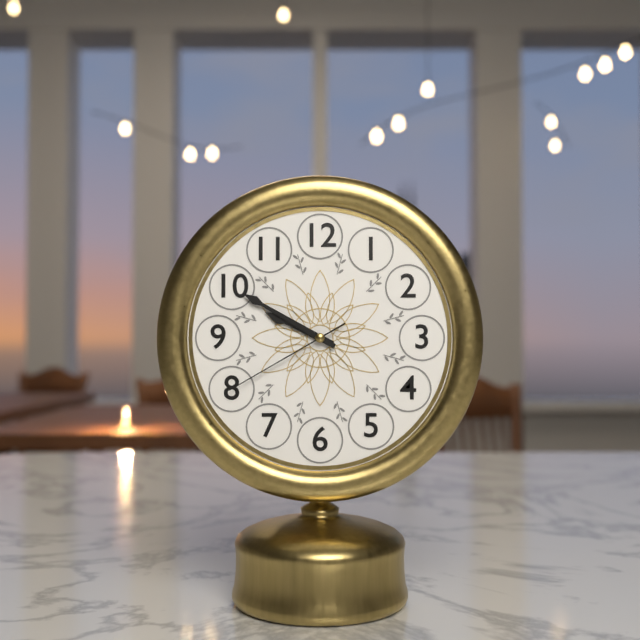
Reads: 9.50.40
